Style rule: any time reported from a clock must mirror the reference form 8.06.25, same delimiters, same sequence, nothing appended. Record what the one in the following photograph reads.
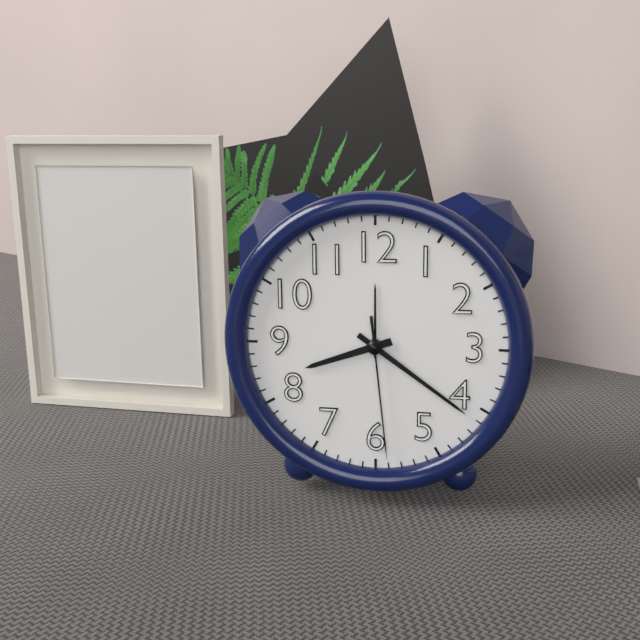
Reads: 8.21.29
